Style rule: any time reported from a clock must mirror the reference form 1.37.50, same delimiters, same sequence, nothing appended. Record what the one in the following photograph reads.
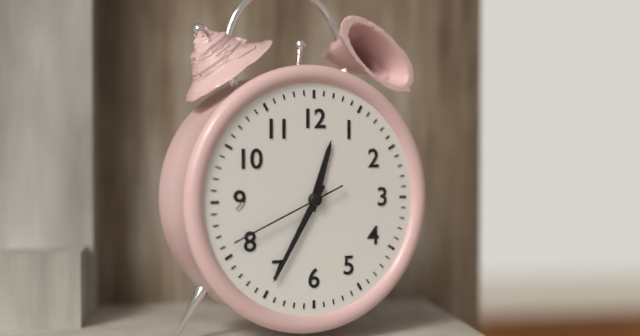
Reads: 12.35.41
